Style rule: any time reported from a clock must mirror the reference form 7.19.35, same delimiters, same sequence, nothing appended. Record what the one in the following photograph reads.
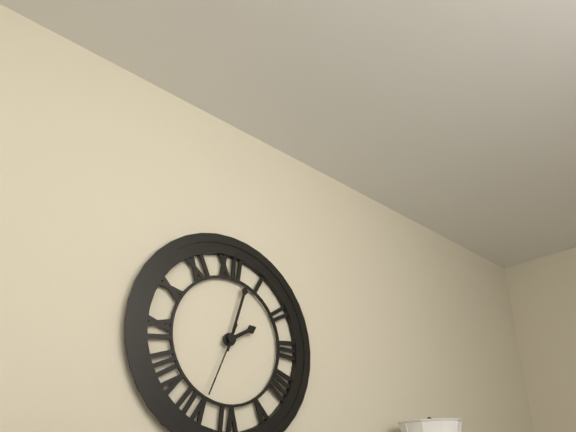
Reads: 2.03.34
